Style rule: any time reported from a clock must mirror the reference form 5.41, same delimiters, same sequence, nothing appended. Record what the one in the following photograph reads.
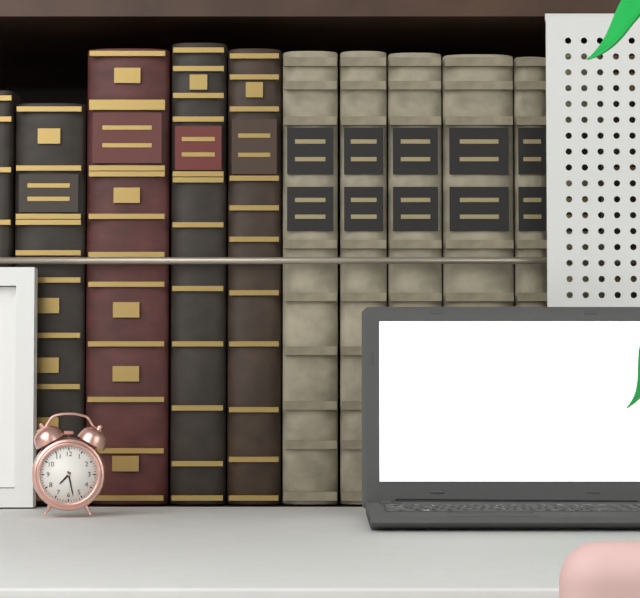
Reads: 7.28
